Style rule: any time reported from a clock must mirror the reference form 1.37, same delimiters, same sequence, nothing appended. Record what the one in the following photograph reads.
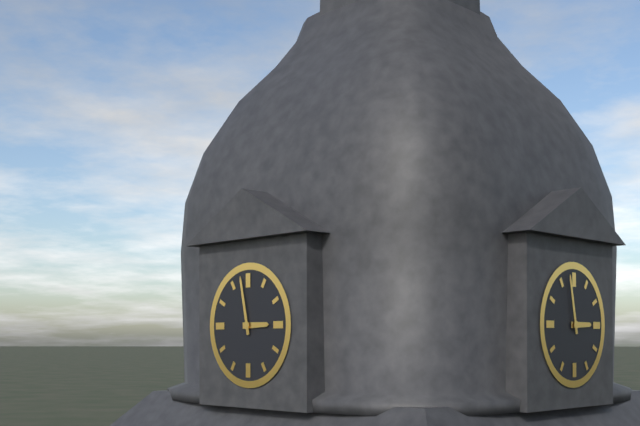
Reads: 2.58
